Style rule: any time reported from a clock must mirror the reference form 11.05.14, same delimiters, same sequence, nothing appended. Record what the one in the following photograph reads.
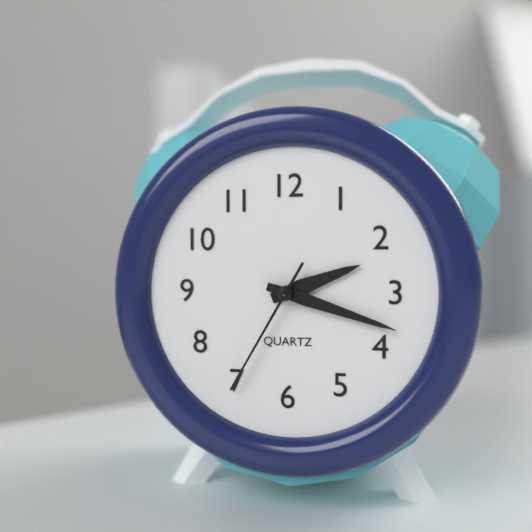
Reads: 2.18.35
